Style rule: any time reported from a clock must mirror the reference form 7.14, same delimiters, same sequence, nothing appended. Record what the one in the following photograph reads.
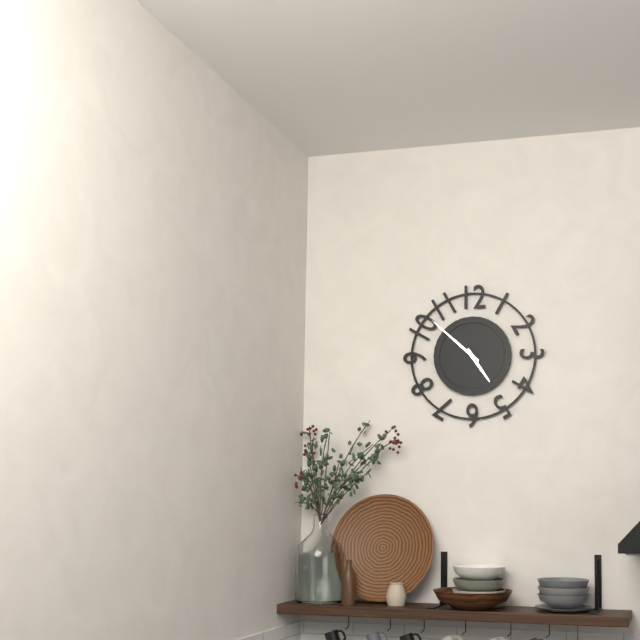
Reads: 4.52
